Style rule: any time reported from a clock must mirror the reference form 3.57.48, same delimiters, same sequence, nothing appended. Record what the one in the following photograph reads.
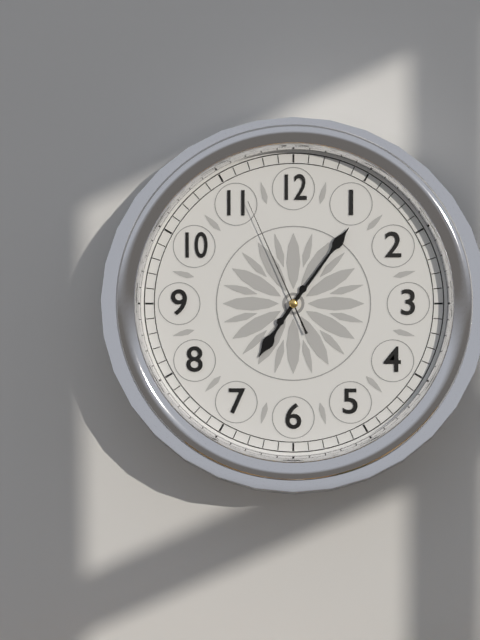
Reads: 7.06.56
